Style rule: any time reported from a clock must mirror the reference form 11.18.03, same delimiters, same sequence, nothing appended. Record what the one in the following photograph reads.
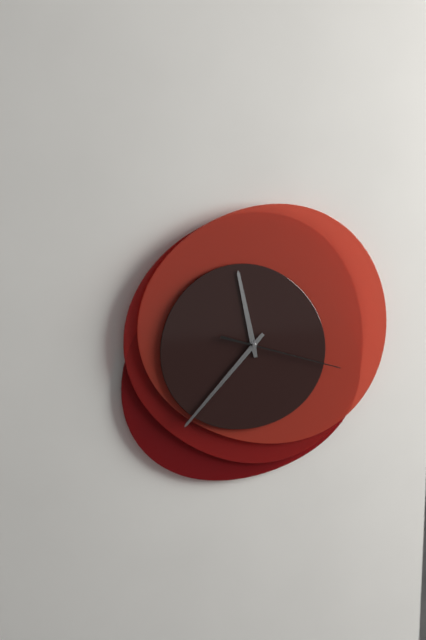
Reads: 11.37.18
